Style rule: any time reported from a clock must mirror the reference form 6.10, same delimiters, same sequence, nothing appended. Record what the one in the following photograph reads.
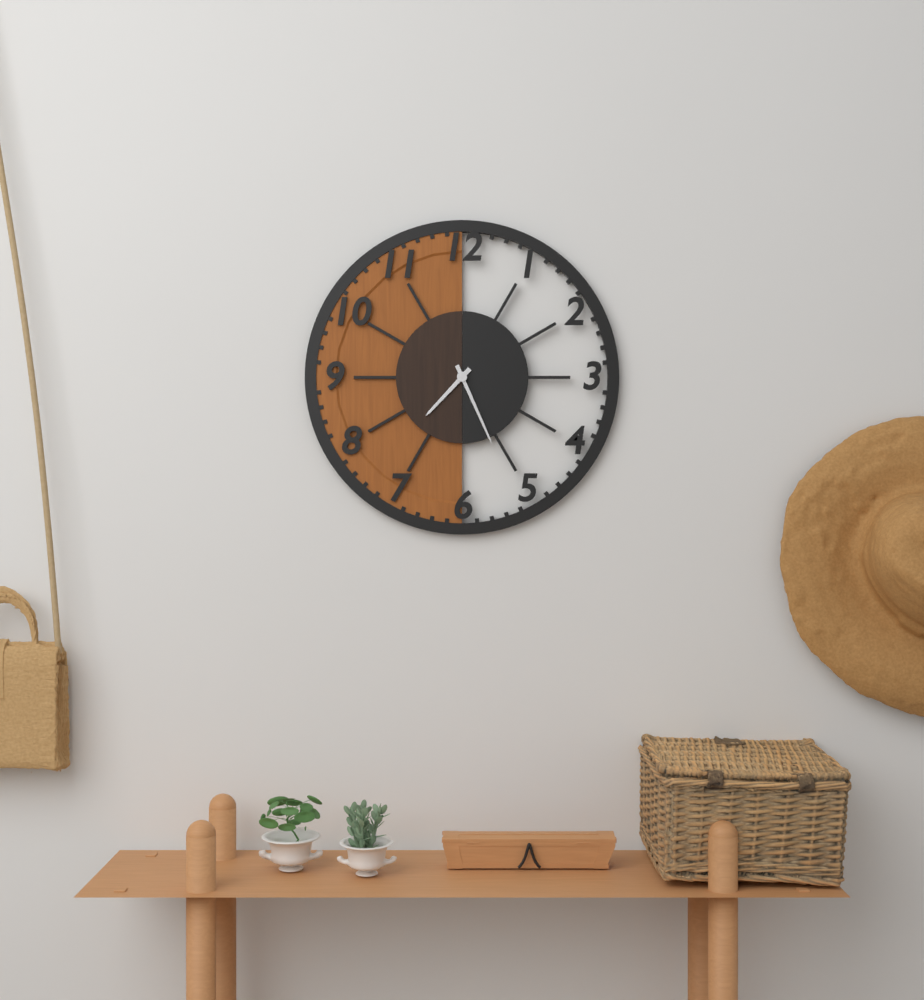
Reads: 7.26
